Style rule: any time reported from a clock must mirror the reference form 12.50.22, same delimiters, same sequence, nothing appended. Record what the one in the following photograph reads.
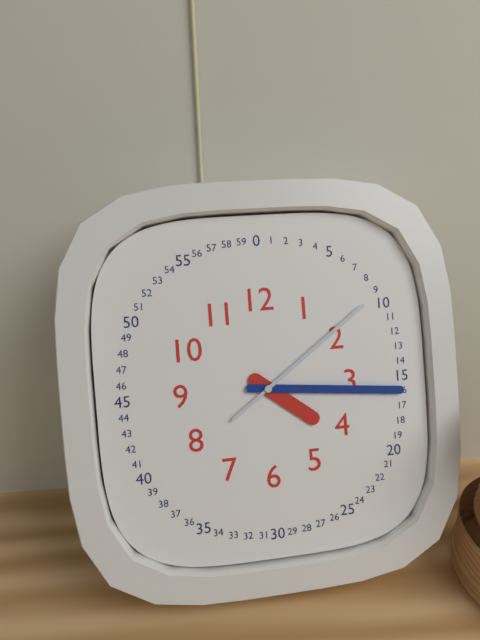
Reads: 4.16.09
